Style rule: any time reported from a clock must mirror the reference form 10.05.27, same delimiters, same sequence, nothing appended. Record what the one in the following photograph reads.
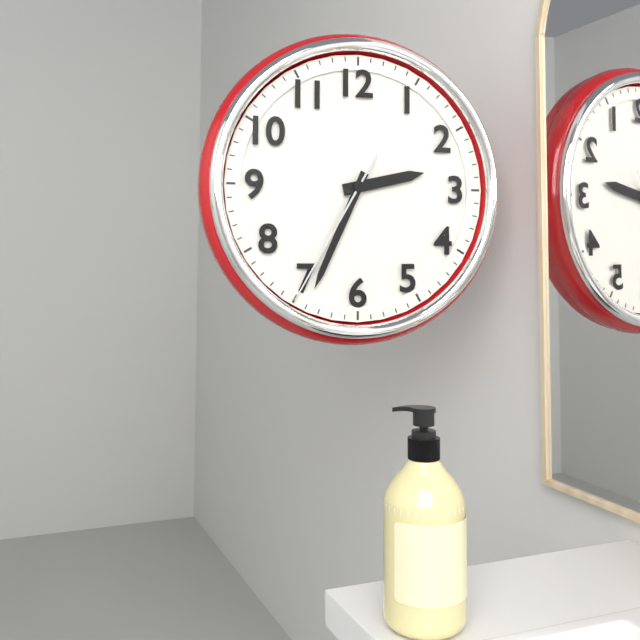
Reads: 2.34.35
